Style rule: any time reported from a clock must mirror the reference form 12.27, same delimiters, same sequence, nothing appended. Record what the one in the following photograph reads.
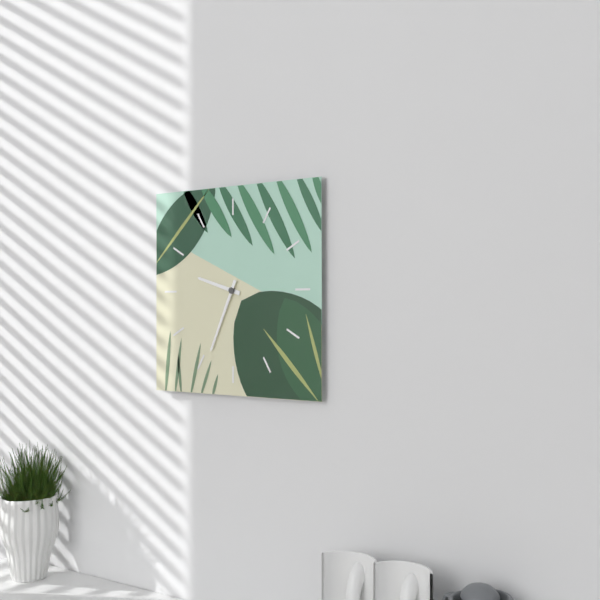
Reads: 9.34
